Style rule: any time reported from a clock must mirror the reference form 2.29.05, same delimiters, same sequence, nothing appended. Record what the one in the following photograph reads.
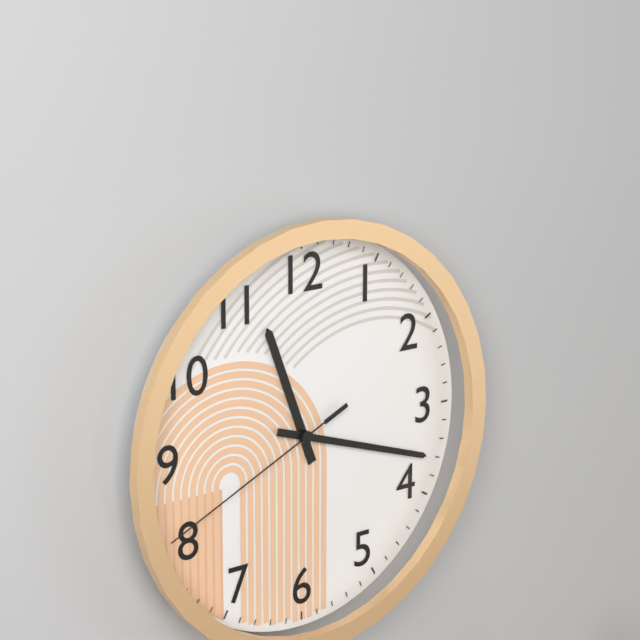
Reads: 11.18.41
